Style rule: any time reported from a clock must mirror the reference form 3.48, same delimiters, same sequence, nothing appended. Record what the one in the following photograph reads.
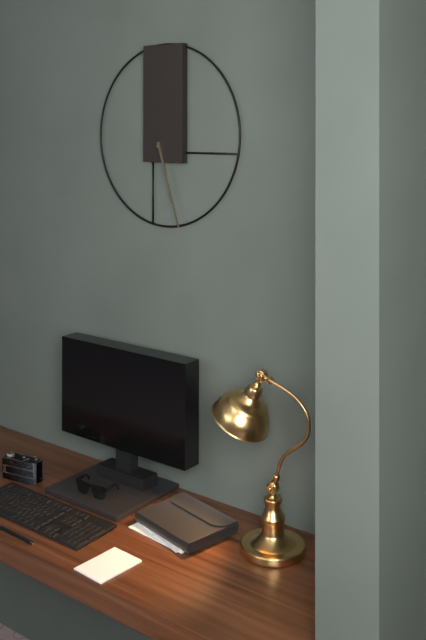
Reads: 5.27
